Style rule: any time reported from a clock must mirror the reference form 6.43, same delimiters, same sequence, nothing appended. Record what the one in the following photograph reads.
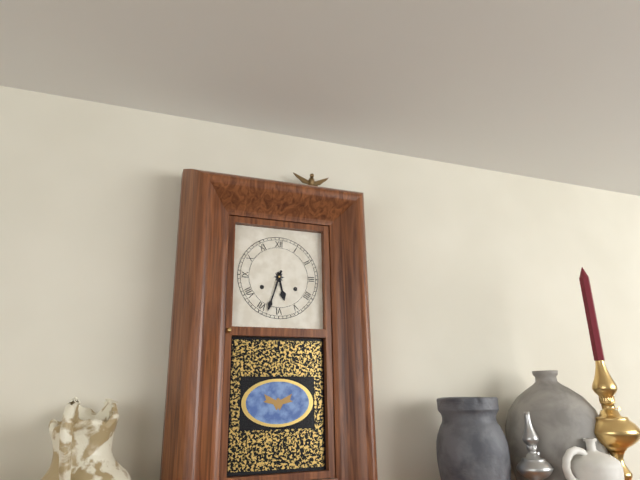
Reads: 5.33
